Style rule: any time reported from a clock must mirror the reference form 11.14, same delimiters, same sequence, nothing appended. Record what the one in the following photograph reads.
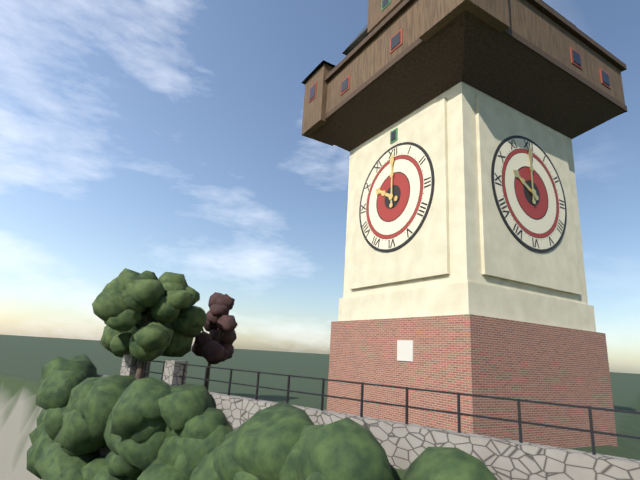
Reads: 10.00
